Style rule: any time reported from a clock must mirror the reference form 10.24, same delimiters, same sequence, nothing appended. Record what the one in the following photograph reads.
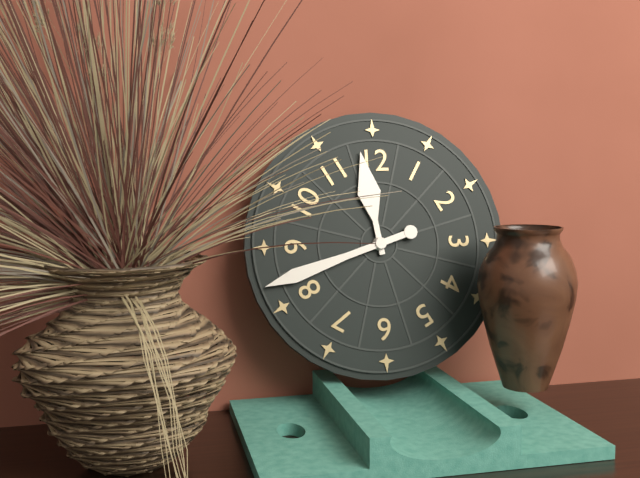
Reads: 11.42
